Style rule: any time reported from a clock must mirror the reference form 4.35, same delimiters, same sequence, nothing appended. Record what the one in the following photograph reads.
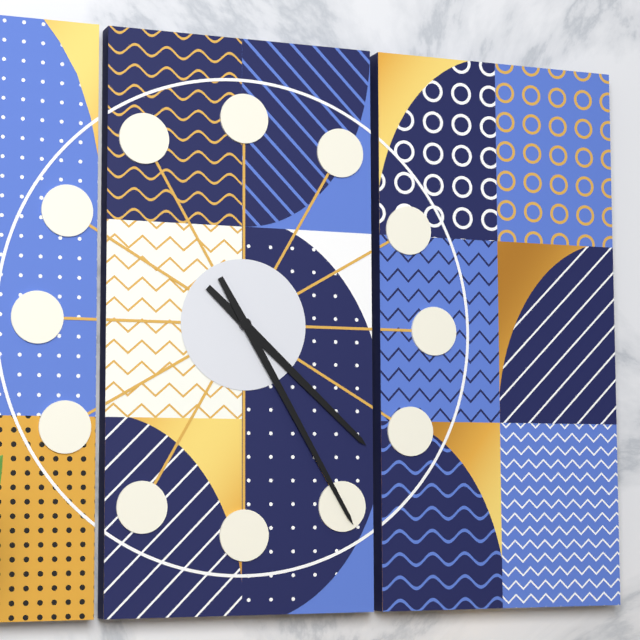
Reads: 4.25
